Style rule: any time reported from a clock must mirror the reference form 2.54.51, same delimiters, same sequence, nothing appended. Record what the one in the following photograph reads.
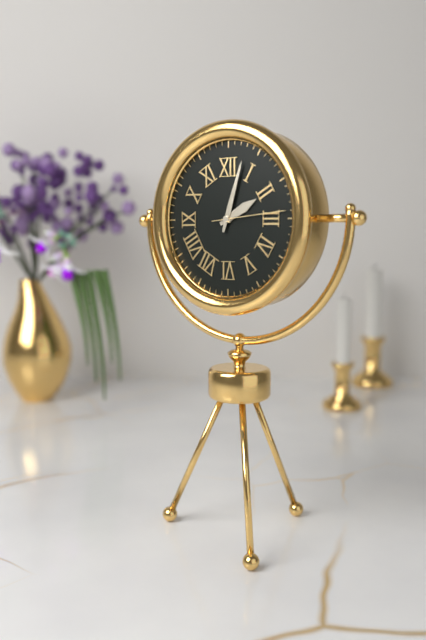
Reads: 2.03.14
